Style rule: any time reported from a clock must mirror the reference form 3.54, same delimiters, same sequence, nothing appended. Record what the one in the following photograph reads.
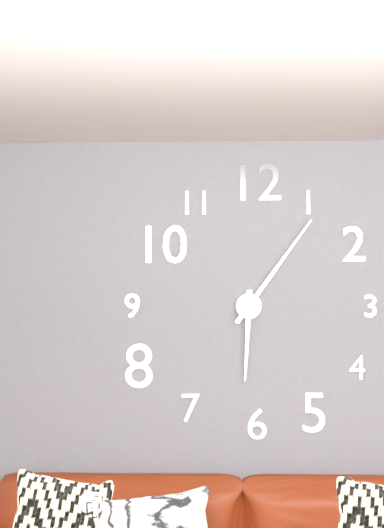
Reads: 6.06
